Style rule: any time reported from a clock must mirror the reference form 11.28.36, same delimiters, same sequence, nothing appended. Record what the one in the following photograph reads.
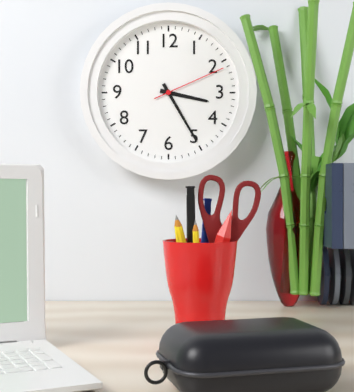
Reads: 3.25.11
